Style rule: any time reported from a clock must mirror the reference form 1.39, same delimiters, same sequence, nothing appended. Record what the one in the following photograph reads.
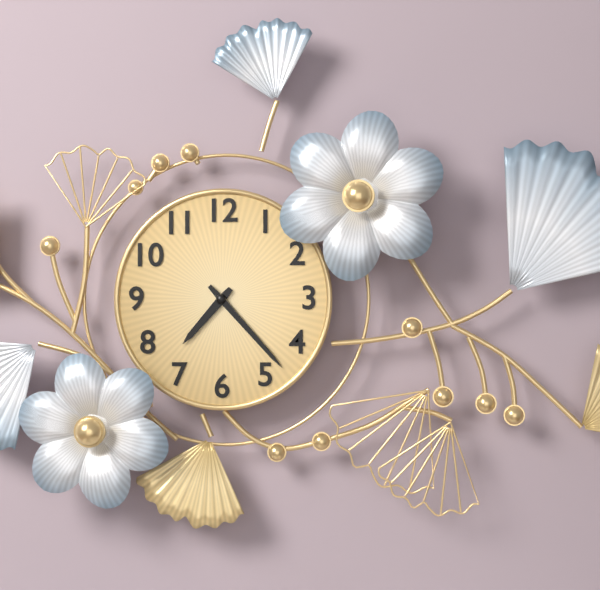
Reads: 7.23
